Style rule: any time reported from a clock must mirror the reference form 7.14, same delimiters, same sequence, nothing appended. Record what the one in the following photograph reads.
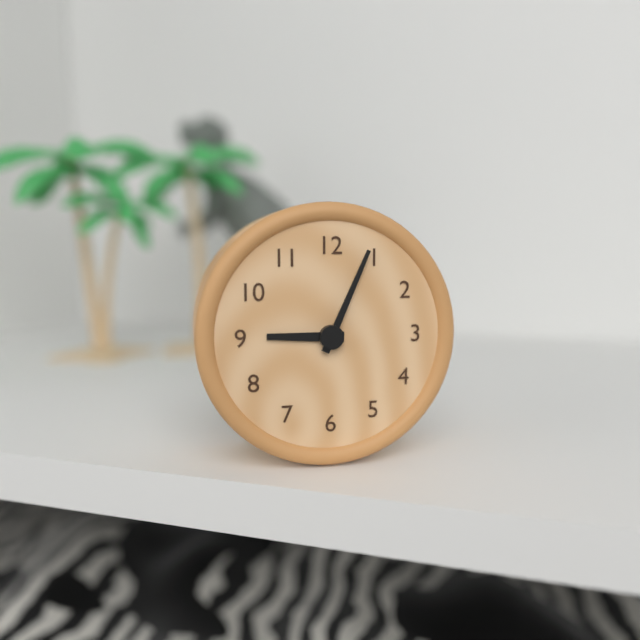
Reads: 9.04
